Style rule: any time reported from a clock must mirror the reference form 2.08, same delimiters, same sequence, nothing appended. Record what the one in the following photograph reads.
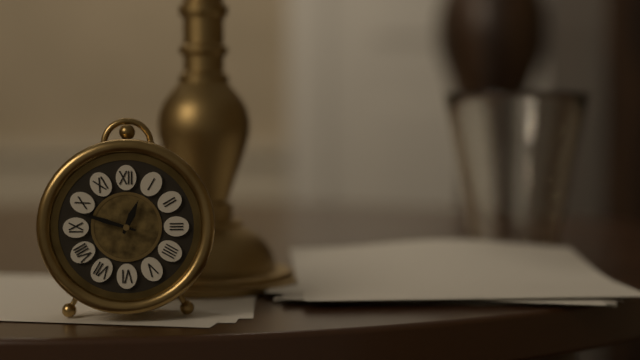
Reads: 12.48
